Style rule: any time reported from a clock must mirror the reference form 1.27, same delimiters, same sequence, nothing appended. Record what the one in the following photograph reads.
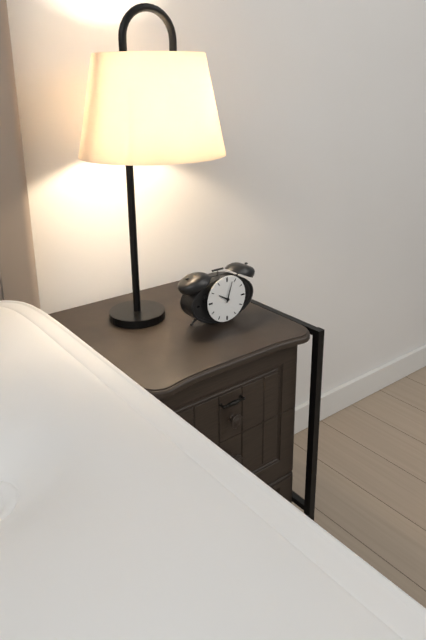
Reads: 10.03
